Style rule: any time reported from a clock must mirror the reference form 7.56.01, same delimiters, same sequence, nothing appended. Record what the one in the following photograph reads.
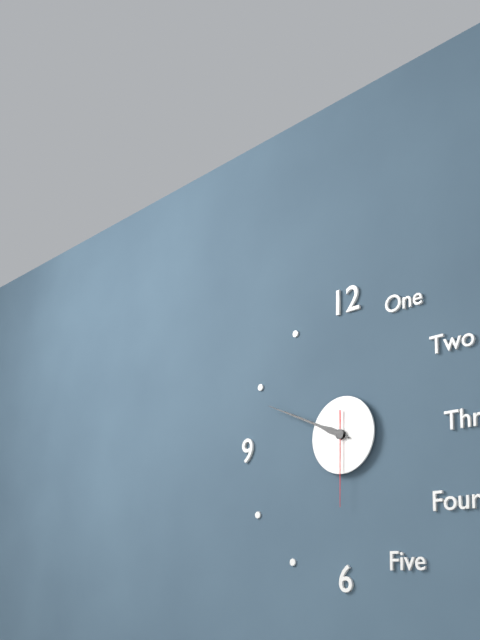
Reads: 9.49.30
